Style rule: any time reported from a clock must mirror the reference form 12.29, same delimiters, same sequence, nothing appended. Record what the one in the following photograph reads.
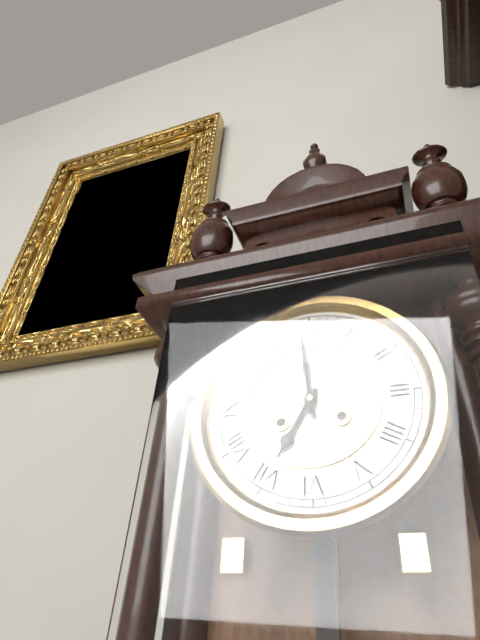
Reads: 6.59
